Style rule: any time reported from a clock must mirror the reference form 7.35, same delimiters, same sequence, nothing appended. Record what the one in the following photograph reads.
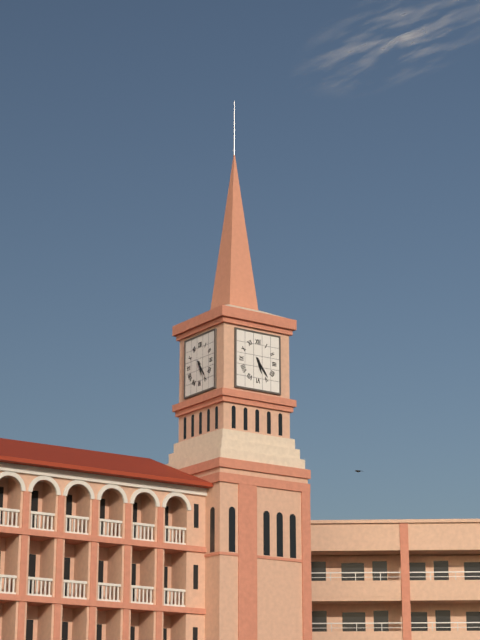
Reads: 5.24
